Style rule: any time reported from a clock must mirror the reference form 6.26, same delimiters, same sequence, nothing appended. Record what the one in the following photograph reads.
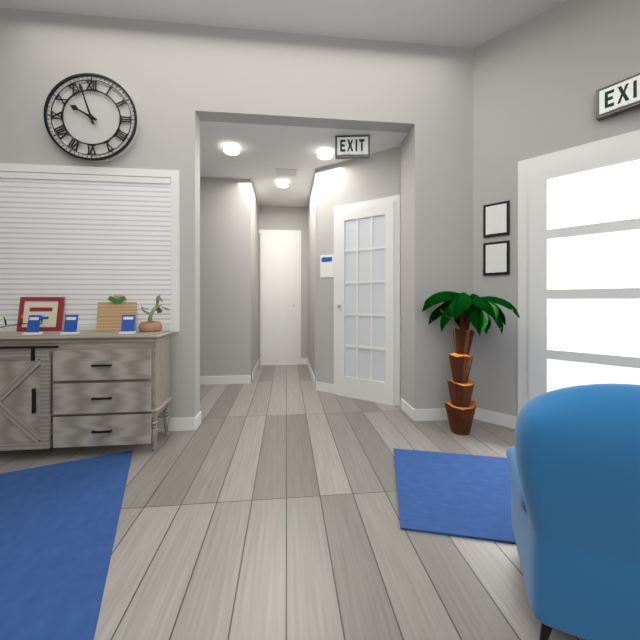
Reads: 9.57
